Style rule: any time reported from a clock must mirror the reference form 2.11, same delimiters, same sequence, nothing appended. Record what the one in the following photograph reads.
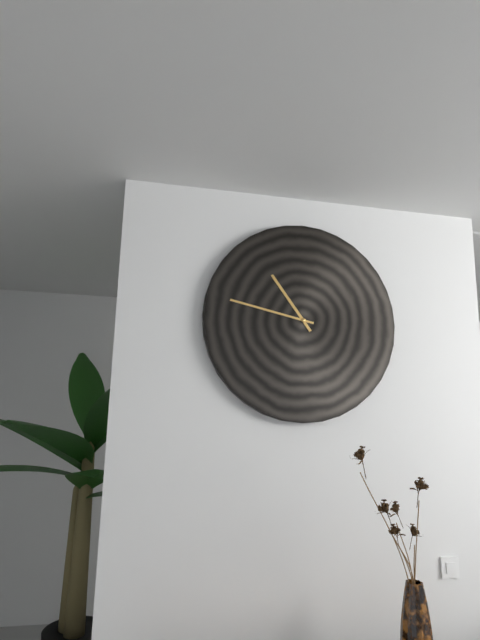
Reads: 10.47
